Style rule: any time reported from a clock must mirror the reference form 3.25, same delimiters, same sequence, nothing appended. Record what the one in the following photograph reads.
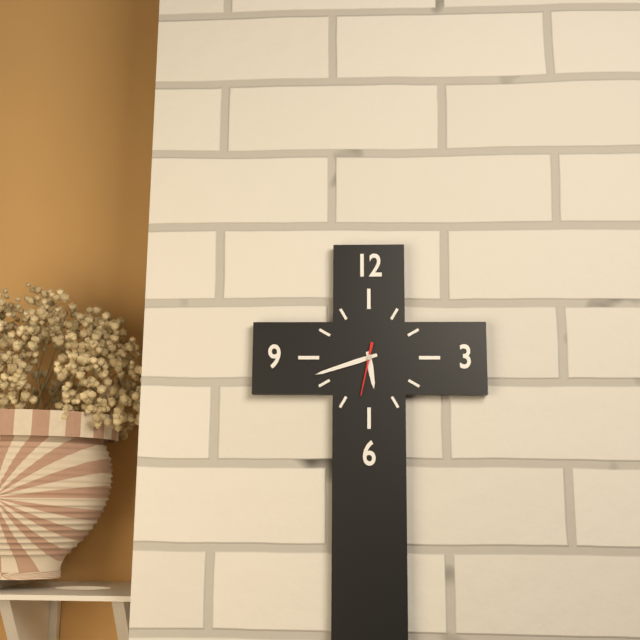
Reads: 5.42
